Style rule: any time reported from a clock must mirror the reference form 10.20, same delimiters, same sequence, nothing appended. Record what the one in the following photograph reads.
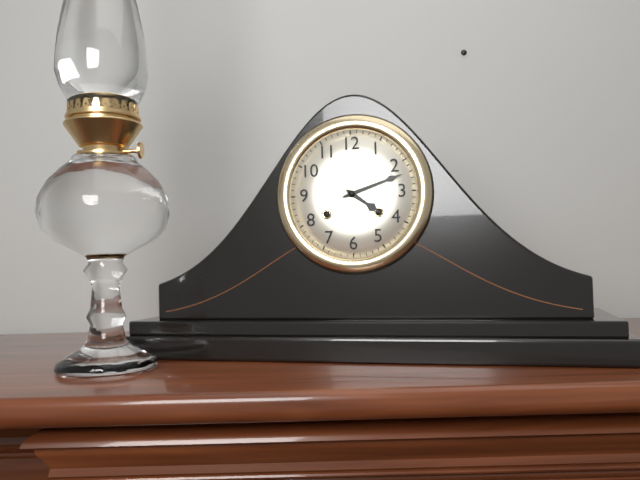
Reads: 4.12
